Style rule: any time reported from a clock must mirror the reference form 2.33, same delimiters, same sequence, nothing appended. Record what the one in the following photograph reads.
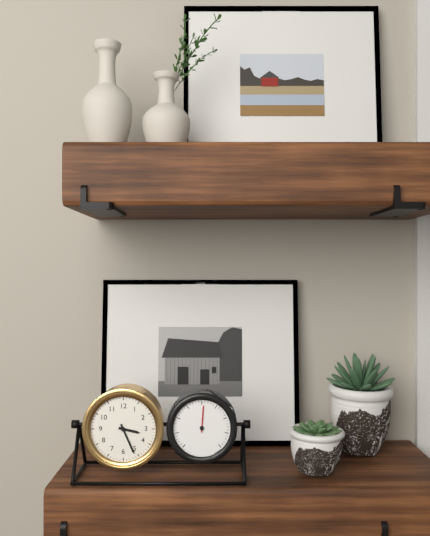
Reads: 3.26
